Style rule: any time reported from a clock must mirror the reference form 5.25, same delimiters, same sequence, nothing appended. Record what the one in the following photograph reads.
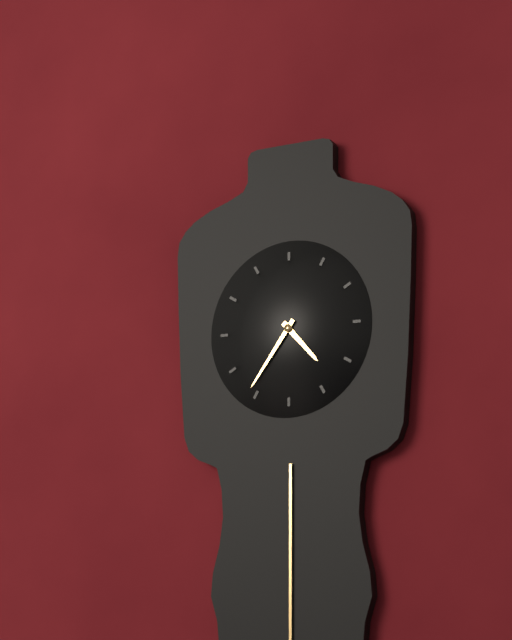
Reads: 4.36
